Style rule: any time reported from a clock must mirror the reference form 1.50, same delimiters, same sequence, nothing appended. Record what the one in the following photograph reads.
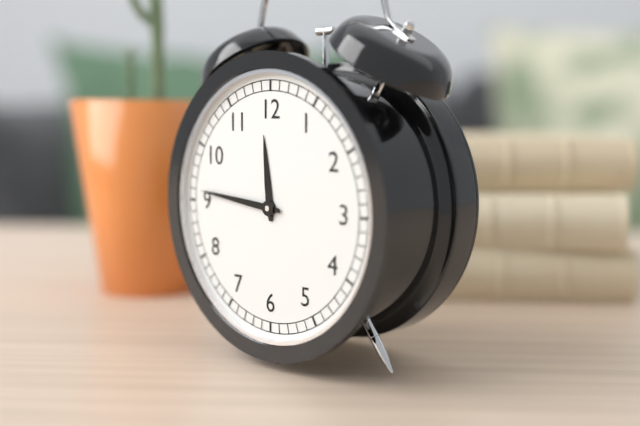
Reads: 11.46
